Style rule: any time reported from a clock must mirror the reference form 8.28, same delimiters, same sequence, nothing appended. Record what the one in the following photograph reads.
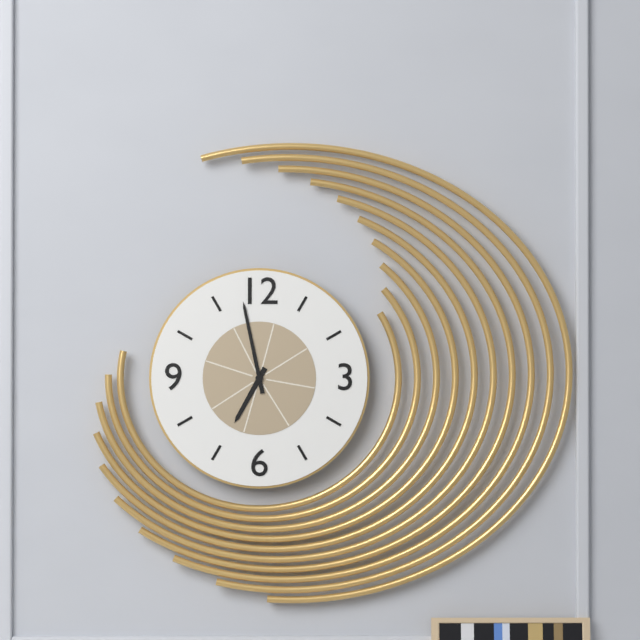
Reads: 6.58
